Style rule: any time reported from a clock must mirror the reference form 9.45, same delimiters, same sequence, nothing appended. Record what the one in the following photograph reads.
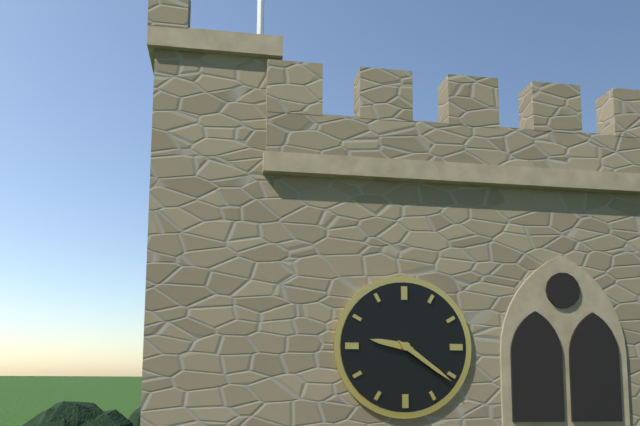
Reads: 9.21
